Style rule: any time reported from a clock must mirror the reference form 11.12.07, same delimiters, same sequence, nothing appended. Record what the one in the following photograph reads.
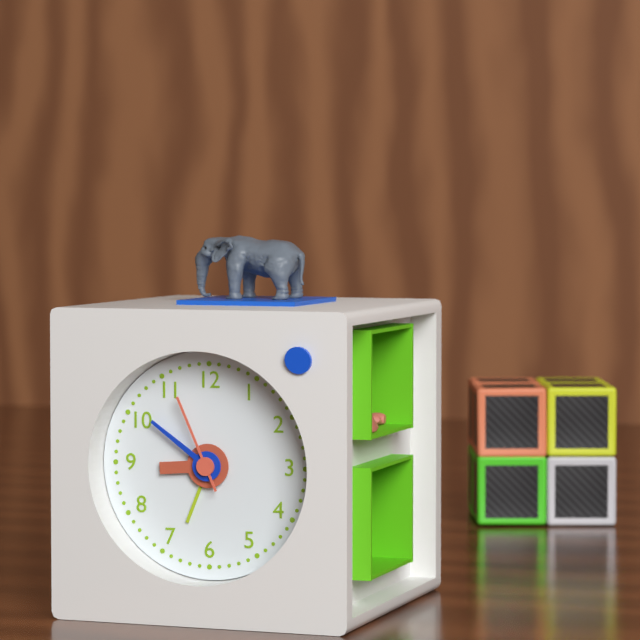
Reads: 8.51.56
